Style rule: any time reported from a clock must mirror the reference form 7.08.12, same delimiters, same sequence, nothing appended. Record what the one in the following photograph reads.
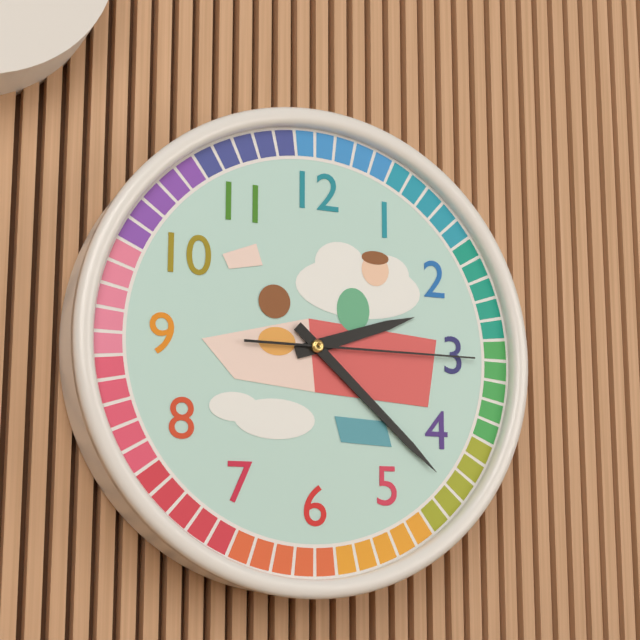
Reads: 2.22.15
